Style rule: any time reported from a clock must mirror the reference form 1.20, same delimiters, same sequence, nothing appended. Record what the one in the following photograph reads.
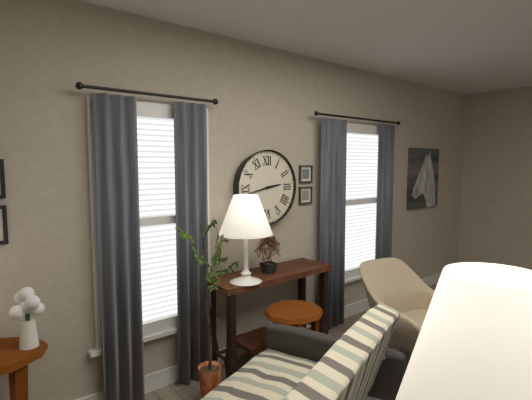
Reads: 2.43
